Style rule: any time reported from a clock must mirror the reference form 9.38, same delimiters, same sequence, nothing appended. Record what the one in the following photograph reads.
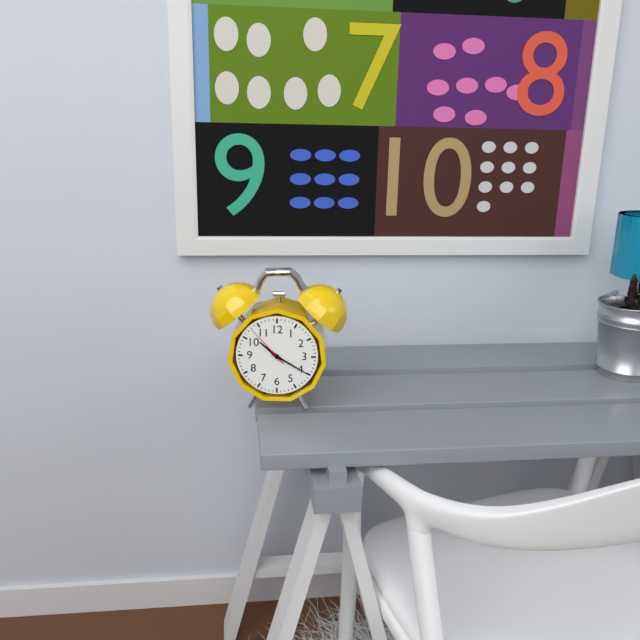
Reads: 10.20
